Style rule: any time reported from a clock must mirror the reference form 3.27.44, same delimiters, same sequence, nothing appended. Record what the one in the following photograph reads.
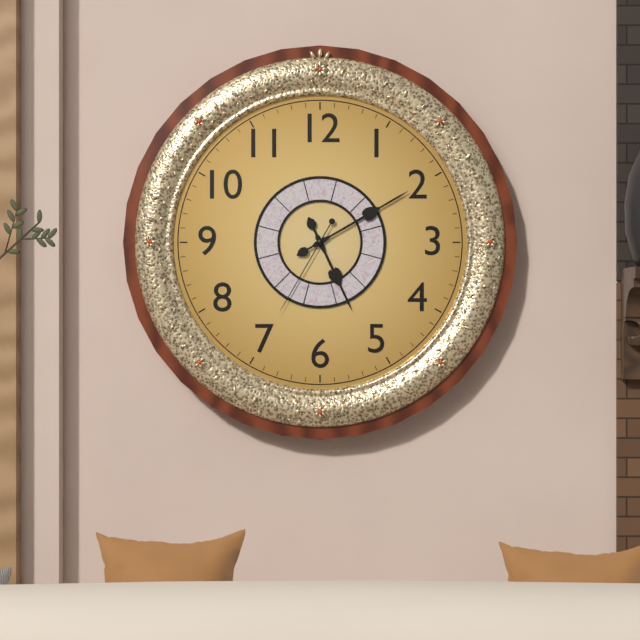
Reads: 5.10.35
